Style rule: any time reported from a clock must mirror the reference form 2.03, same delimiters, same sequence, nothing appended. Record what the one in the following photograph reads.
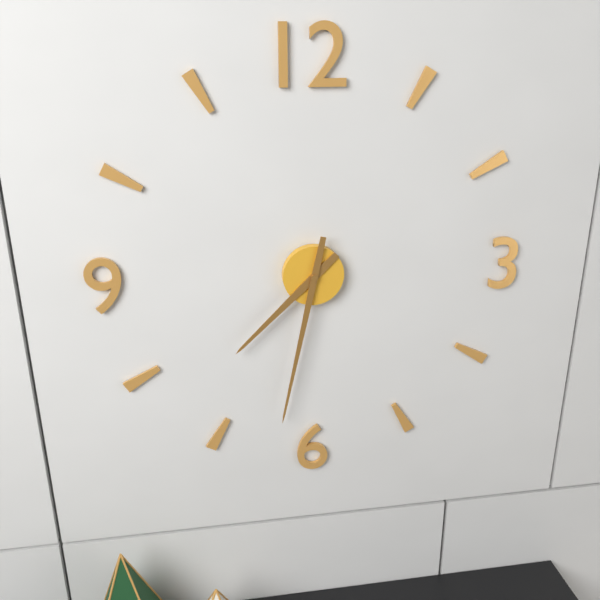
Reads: 7.32
